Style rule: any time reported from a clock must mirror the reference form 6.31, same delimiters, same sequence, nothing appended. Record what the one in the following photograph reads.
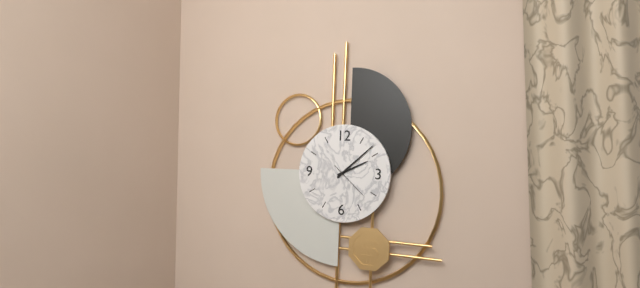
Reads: 2.08
